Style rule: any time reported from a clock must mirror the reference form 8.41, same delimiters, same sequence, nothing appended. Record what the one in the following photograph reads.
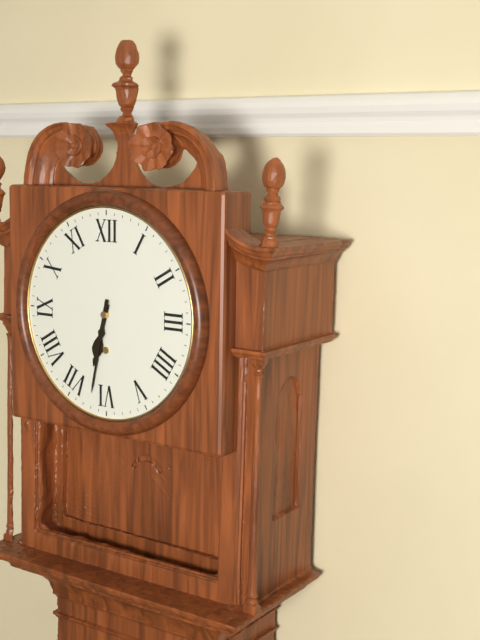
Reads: 6.32
